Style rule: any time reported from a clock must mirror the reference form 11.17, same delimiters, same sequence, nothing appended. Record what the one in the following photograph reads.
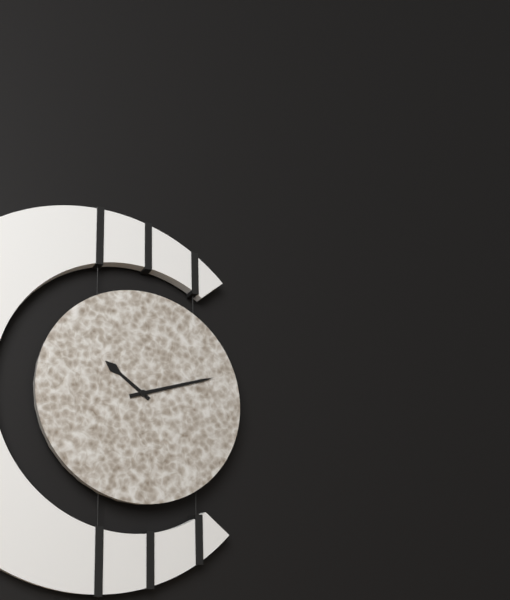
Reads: 10.12
